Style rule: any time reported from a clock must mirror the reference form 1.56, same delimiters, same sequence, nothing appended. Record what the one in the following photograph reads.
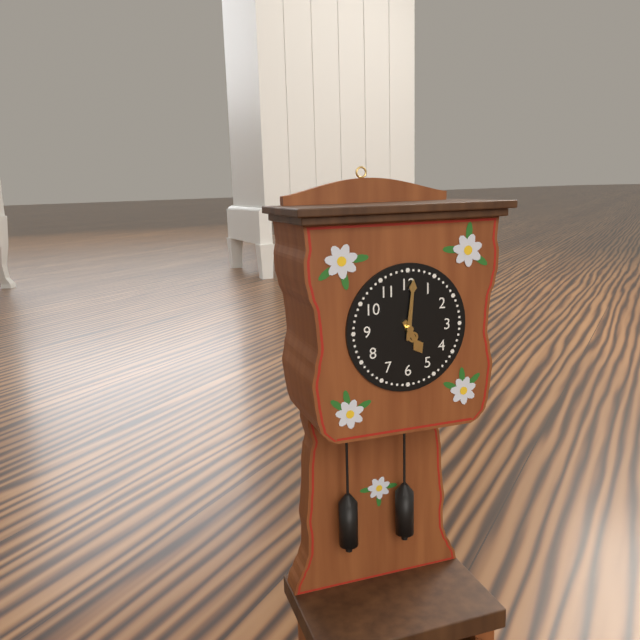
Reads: 5.01
